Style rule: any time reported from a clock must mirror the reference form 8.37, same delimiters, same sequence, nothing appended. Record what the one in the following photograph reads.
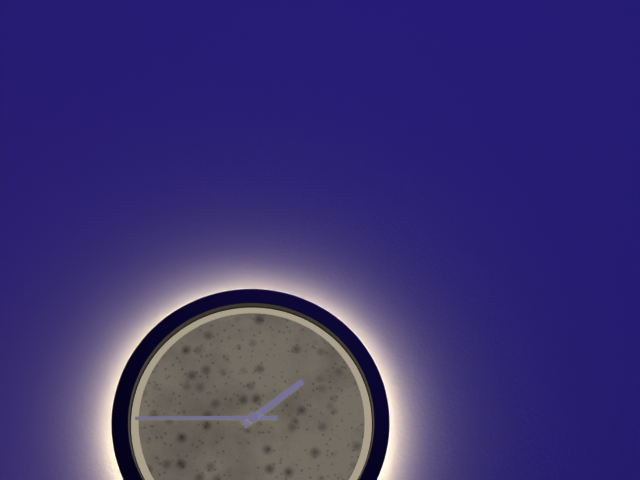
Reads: 1.45
